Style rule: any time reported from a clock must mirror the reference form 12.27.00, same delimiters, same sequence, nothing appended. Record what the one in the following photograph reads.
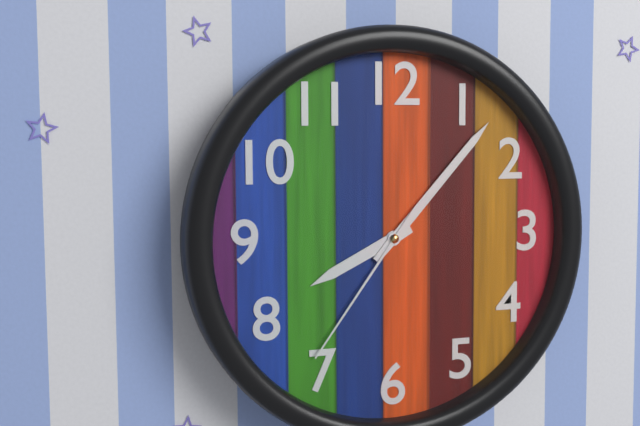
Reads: 8.07.36
